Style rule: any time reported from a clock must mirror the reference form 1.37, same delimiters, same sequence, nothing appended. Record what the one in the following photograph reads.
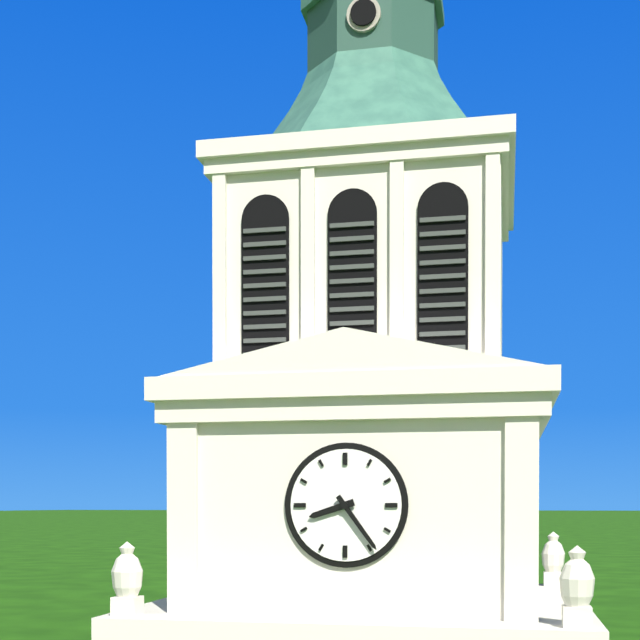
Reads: 8.24
